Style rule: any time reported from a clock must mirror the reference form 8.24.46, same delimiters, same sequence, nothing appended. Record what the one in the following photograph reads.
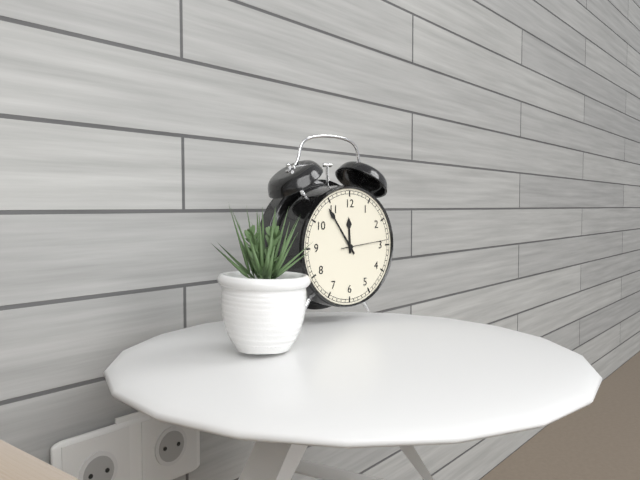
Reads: 11.54.14
